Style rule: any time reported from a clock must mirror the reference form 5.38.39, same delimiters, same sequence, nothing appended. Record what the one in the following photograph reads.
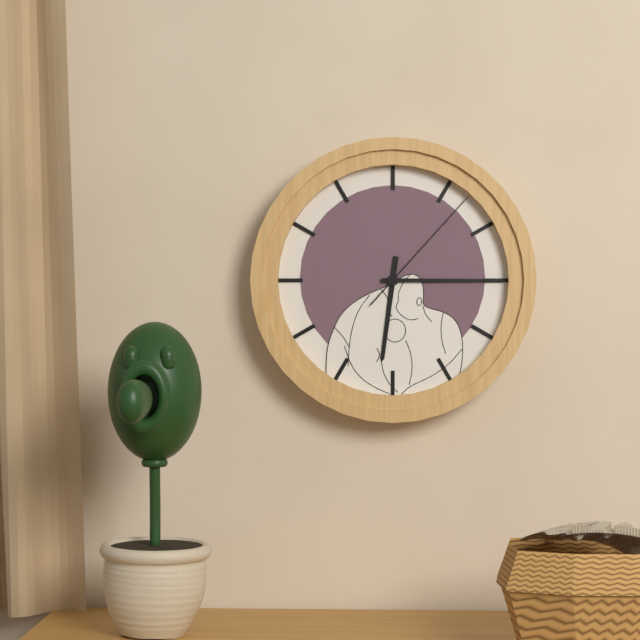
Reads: 6.15.07
